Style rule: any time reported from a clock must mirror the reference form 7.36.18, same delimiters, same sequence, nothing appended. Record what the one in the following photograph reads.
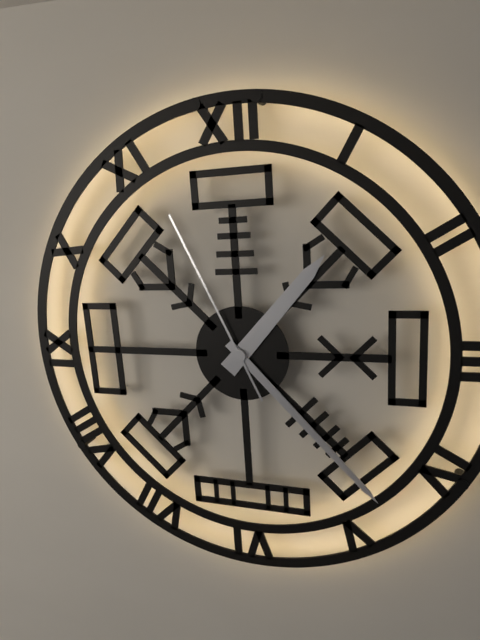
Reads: 1.23.56
